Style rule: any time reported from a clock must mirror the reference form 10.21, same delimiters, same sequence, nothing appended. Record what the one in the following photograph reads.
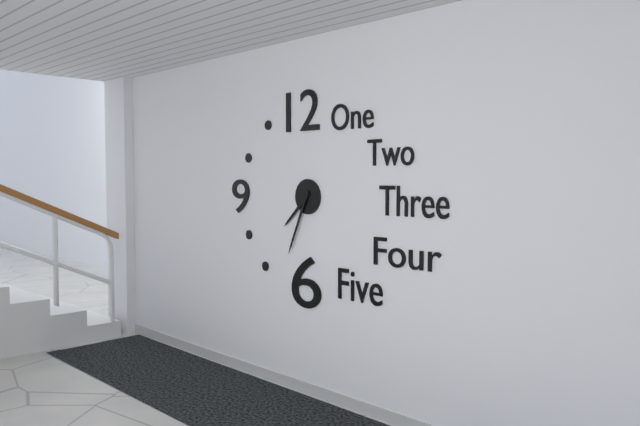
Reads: 7.34
